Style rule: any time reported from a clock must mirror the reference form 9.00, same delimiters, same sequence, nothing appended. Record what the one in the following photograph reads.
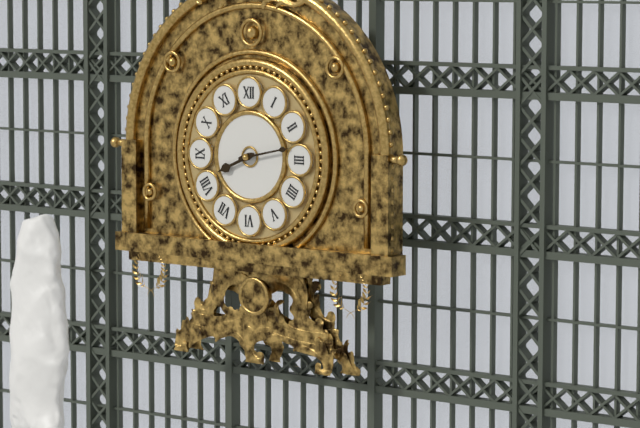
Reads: 8.13
